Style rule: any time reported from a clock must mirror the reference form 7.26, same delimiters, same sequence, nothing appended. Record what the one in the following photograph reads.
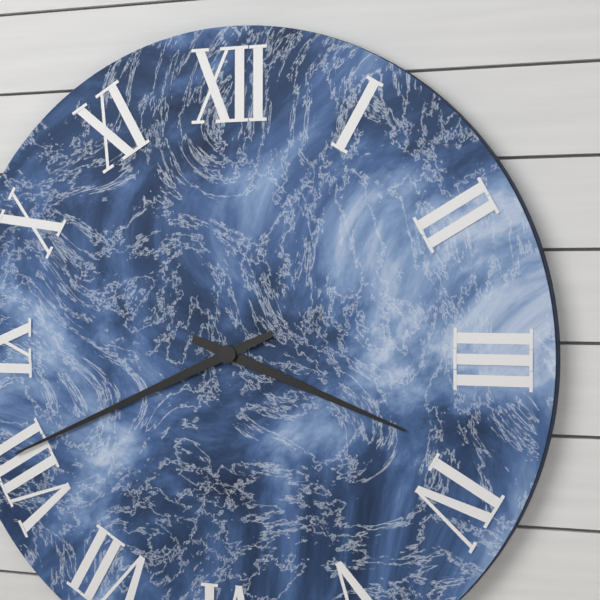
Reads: 3.41
